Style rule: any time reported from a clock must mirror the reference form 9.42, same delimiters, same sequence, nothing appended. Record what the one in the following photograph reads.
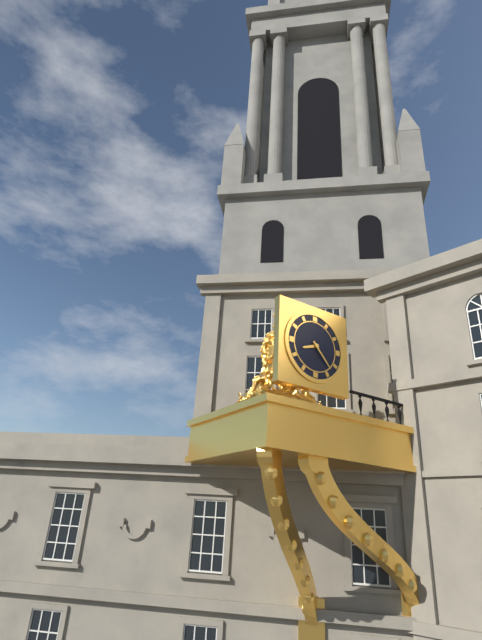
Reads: 8.23
